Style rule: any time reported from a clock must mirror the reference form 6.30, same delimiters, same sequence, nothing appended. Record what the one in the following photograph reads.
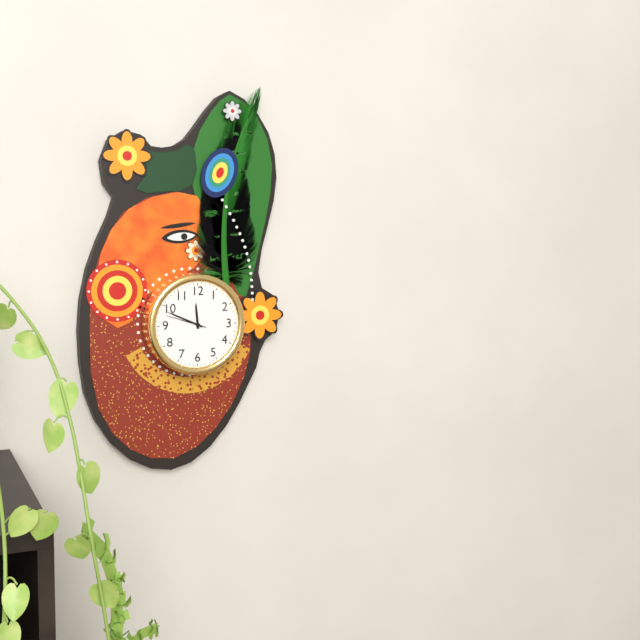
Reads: 11.49
